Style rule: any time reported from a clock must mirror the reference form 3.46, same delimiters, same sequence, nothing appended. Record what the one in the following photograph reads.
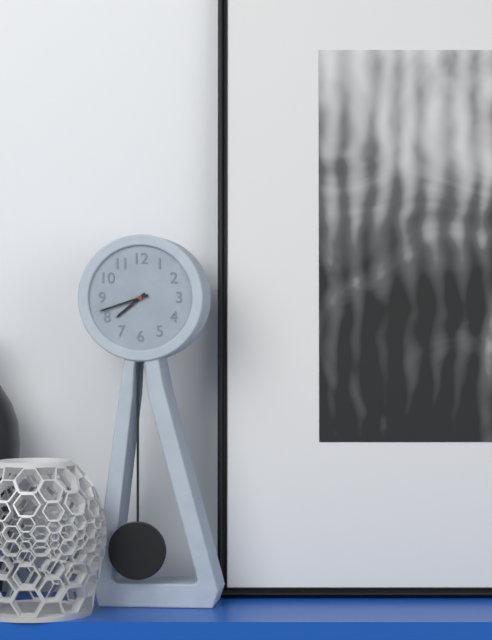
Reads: 7.42
